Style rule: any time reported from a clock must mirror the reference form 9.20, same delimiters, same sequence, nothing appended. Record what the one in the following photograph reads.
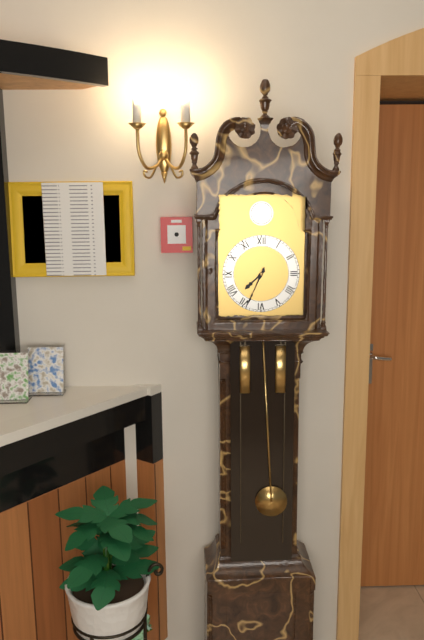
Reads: 7.34
